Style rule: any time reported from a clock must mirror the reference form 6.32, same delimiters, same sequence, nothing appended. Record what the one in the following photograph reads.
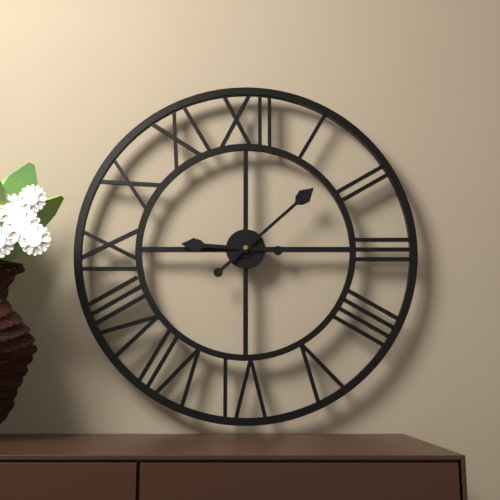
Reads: 9.08
